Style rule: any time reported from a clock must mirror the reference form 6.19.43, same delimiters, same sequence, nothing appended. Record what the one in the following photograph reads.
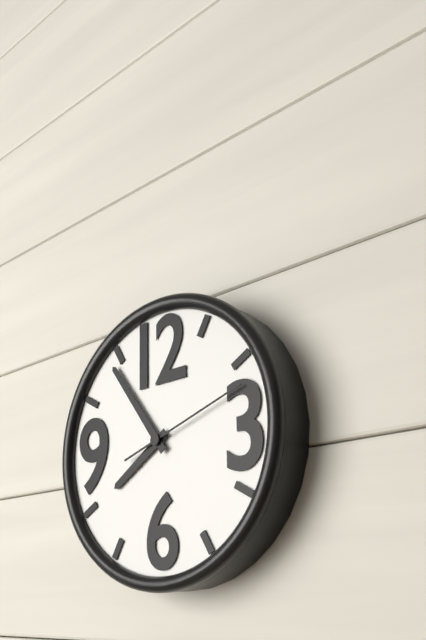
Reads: 7.54.12
